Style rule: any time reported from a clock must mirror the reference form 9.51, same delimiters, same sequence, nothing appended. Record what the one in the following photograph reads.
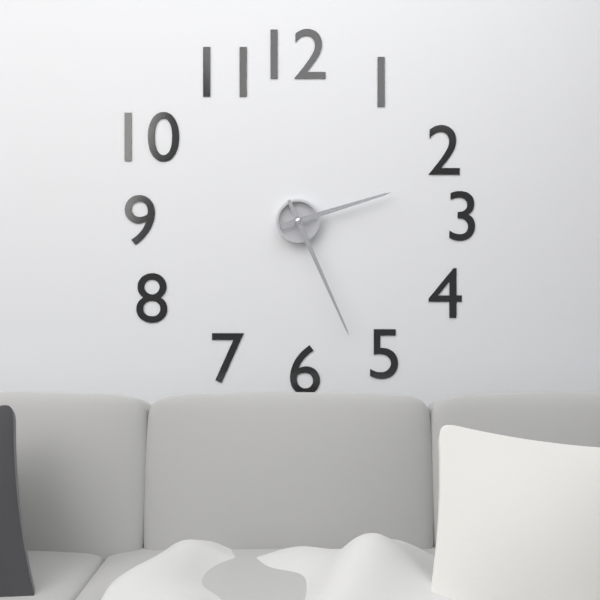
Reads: 2.26
